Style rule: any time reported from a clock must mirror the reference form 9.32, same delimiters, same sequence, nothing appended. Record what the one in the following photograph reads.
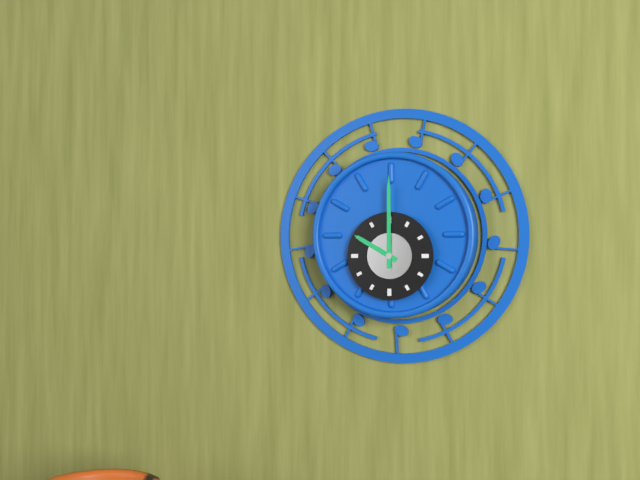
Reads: 10.00
